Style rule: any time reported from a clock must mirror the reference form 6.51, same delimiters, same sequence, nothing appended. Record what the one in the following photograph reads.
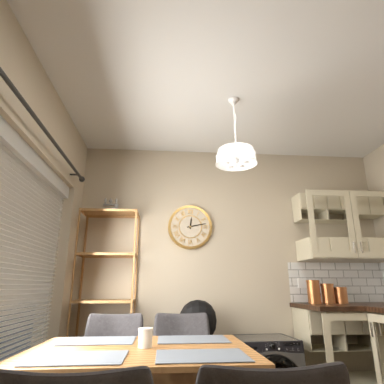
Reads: 12.13
